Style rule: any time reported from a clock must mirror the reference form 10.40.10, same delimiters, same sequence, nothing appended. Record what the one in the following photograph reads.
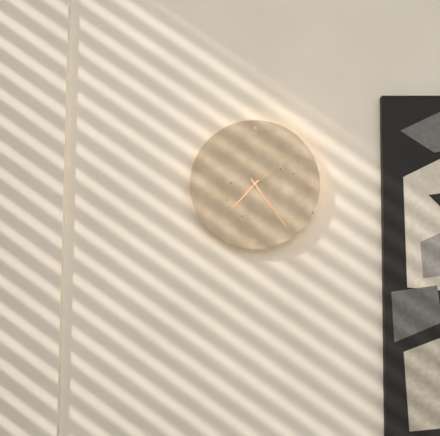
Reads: 7.24.09
